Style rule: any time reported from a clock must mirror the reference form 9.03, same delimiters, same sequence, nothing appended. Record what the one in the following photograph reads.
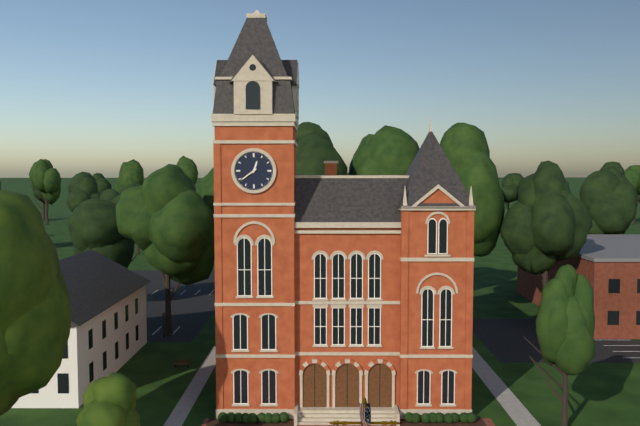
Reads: 12.39
